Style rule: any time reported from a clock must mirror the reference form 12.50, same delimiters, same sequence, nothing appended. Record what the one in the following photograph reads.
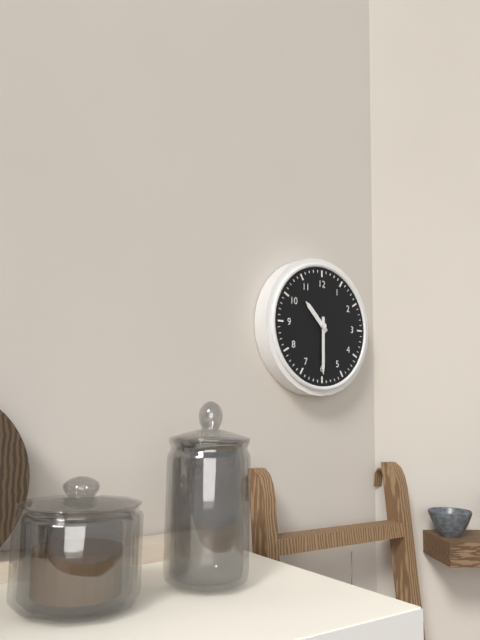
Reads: 10.30
